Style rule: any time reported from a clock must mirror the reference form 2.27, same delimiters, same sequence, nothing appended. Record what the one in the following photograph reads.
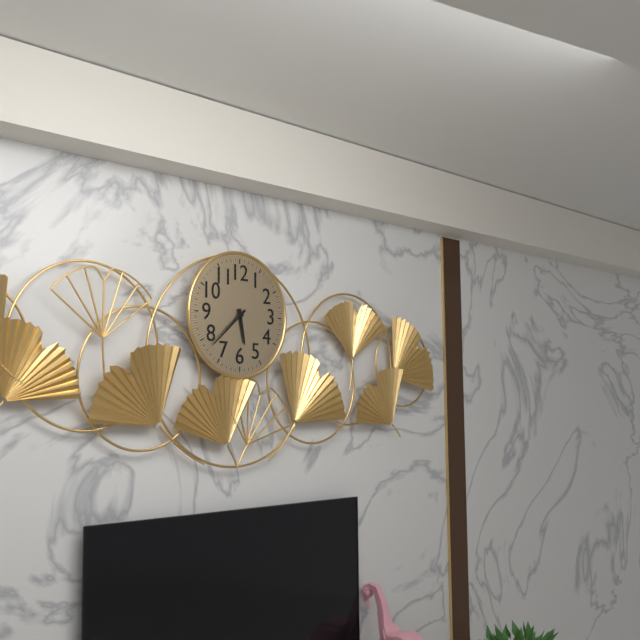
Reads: 5.38
